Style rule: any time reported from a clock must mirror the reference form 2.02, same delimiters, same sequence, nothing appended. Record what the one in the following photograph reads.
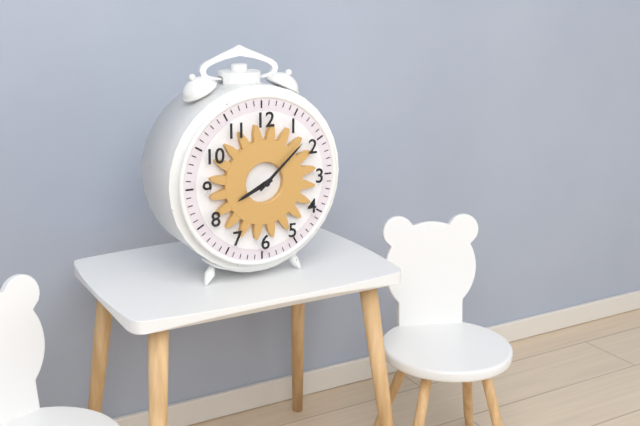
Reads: 8.08
